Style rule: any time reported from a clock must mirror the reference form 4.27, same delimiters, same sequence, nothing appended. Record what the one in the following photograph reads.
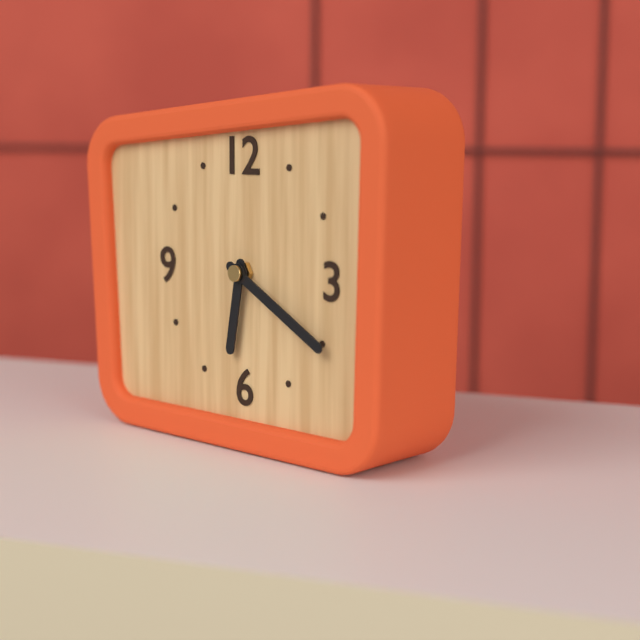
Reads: 6.20
